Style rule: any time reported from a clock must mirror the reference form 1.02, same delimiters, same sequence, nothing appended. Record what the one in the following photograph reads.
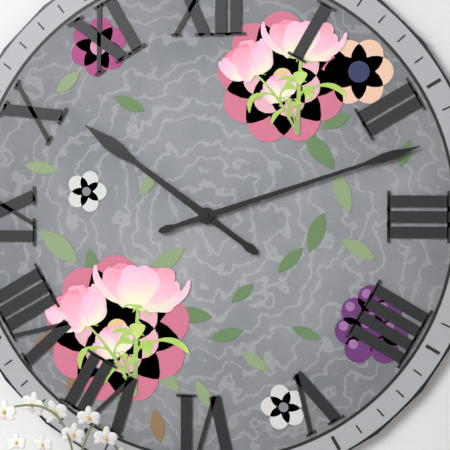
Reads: 10.12
